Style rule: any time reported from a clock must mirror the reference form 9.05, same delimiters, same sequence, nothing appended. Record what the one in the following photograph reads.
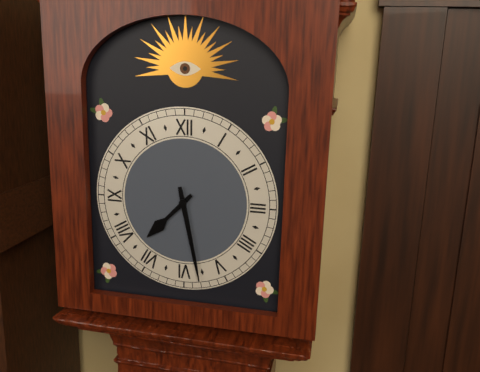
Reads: 7.28
